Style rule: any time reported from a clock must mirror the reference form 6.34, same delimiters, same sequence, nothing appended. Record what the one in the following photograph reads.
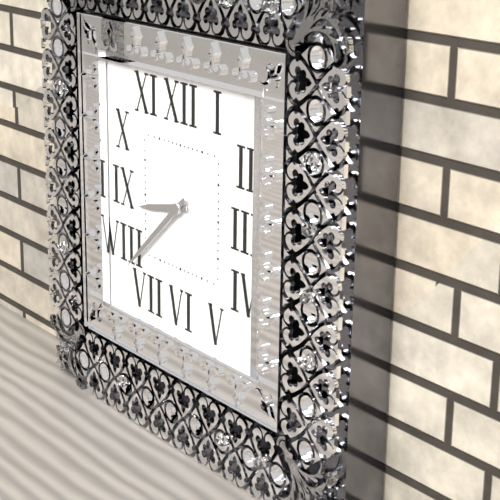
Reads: 8.38
